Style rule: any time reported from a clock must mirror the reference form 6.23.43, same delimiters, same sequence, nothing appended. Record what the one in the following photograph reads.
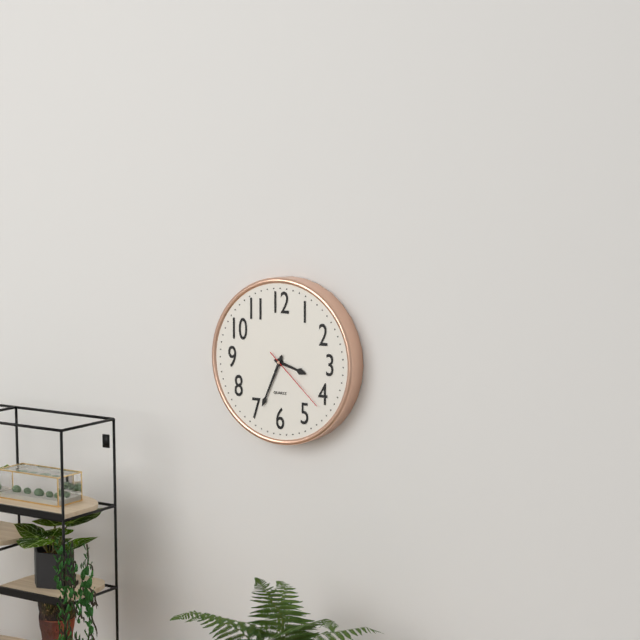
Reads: 3.34.22
